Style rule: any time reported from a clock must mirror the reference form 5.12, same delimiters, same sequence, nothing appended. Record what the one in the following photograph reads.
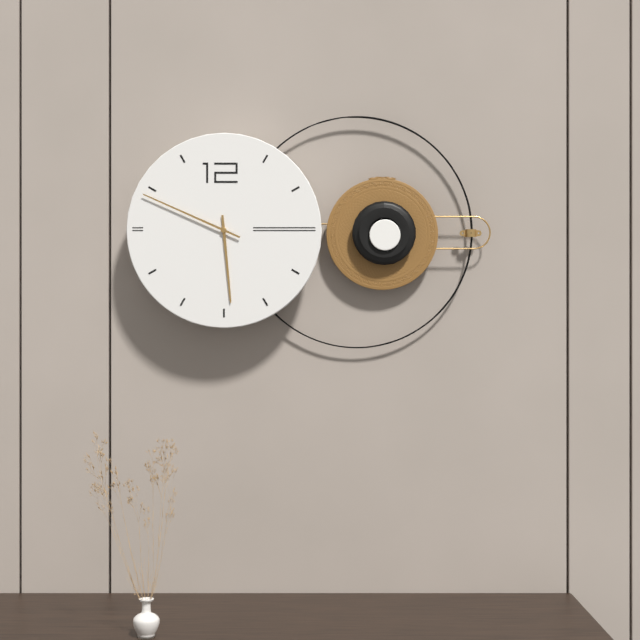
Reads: 5.49
